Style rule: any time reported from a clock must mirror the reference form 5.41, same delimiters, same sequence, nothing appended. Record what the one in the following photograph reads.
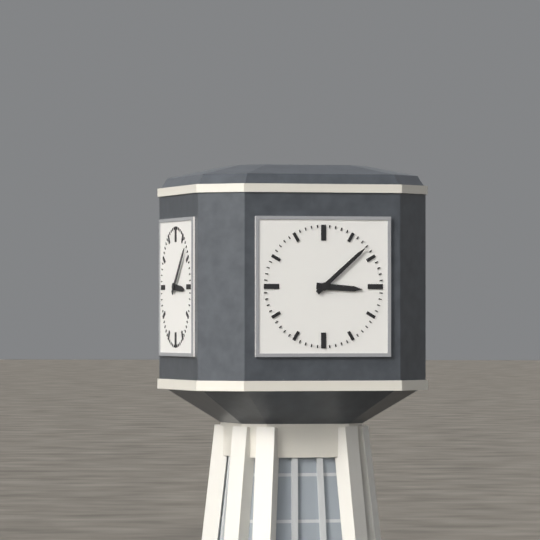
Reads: 3.08
